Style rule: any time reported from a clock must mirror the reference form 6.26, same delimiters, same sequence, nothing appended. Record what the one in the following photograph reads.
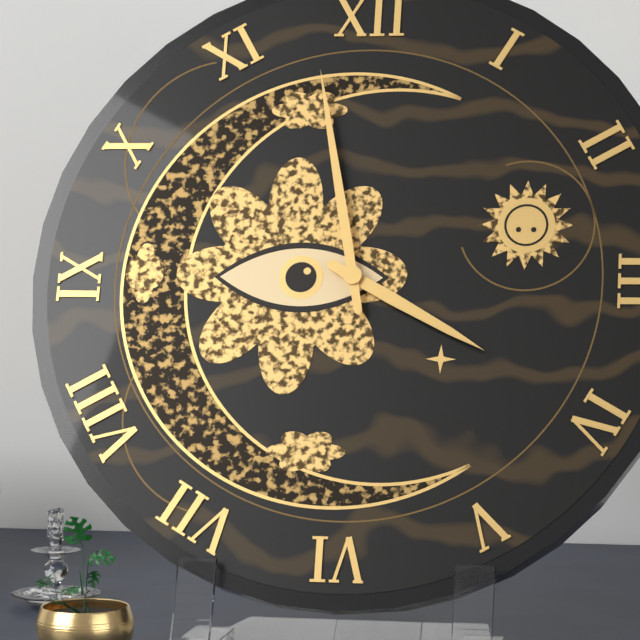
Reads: 3.58
